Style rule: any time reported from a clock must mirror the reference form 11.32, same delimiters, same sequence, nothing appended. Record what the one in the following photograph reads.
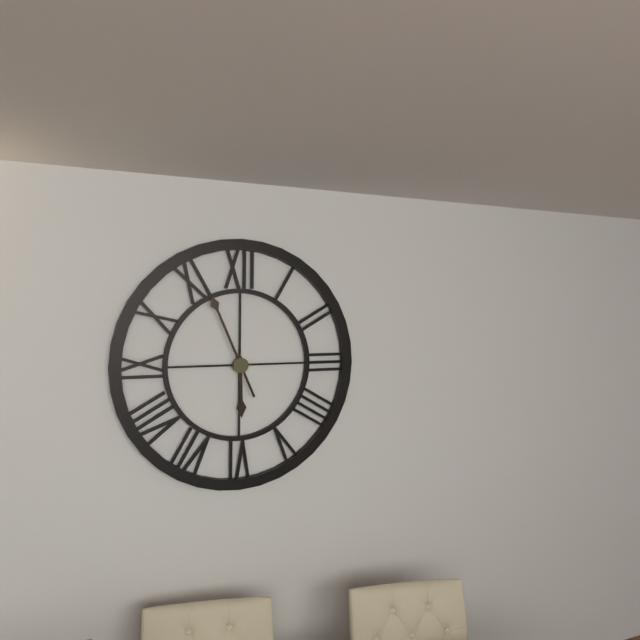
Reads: 5.56
